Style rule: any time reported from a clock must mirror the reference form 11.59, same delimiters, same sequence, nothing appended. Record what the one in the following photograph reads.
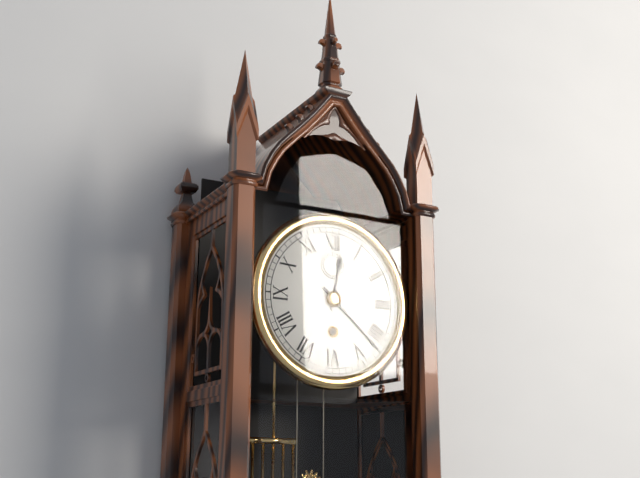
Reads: 12.22
